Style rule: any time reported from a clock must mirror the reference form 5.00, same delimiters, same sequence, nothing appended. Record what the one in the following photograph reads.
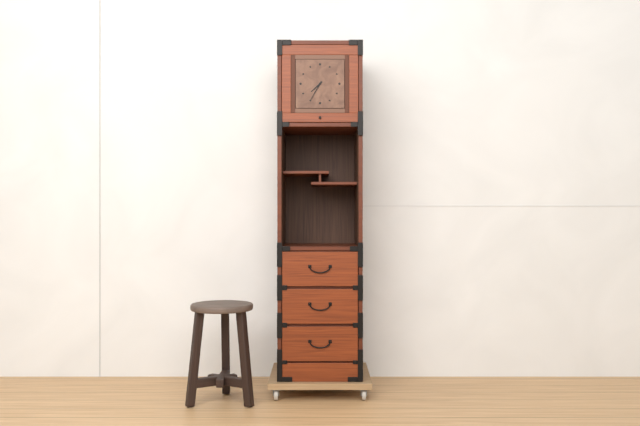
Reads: 7.35
